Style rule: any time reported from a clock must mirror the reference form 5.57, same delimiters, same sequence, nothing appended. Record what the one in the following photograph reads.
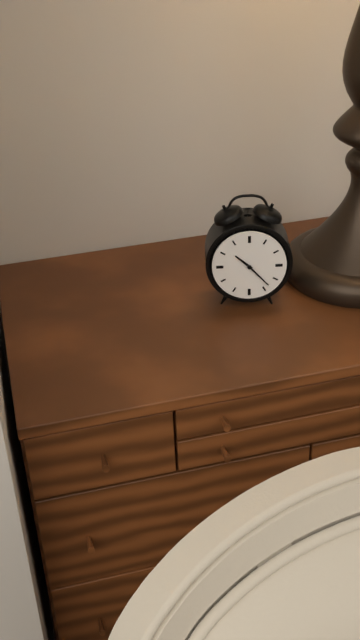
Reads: 10.23
